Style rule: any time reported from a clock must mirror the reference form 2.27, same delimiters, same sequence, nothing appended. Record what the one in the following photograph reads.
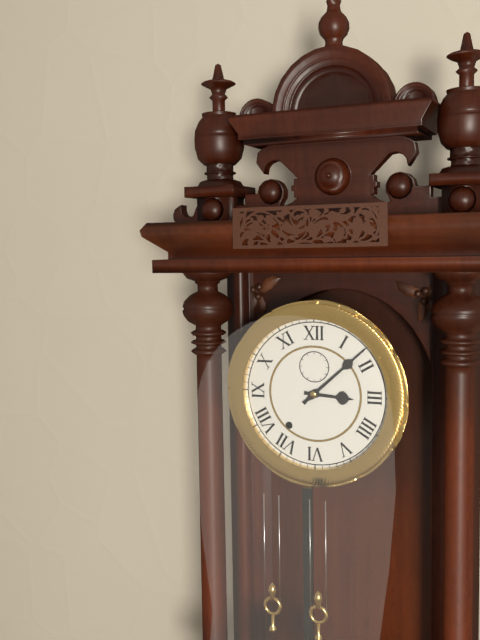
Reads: 3.08
